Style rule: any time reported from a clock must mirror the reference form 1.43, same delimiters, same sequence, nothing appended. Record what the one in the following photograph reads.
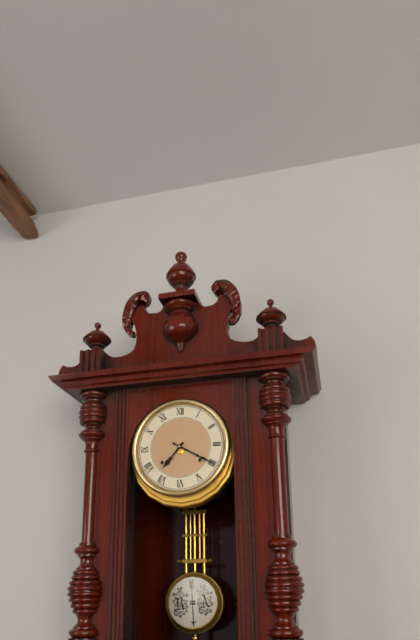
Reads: 7.20
